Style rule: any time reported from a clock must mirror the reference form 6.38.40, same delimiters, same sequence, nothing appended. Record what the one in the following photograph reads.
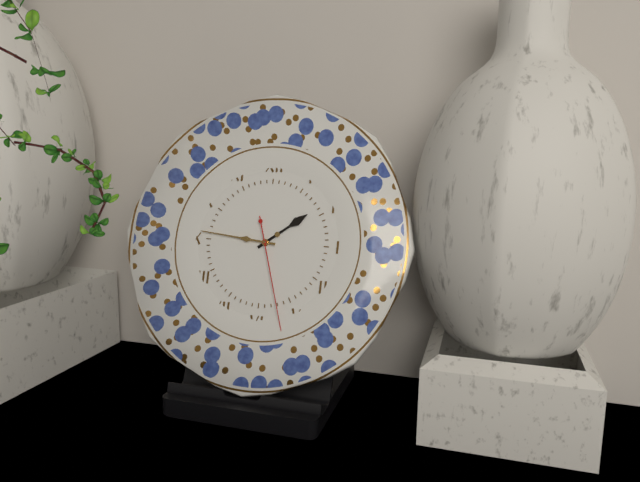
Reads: 1.46.27
